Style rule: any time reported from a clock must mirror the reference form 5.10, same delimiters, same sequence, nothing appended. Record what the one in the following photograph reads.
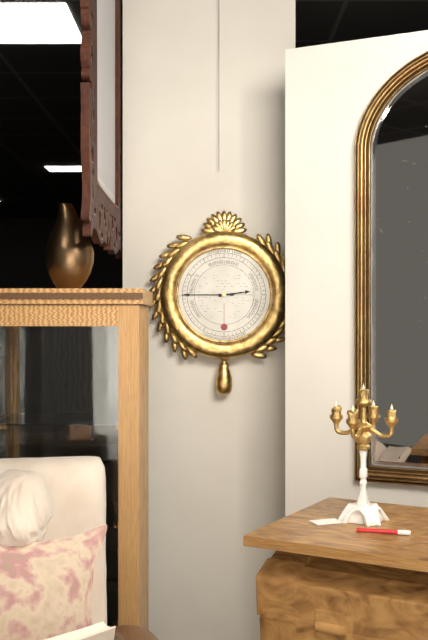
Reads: 2.45
